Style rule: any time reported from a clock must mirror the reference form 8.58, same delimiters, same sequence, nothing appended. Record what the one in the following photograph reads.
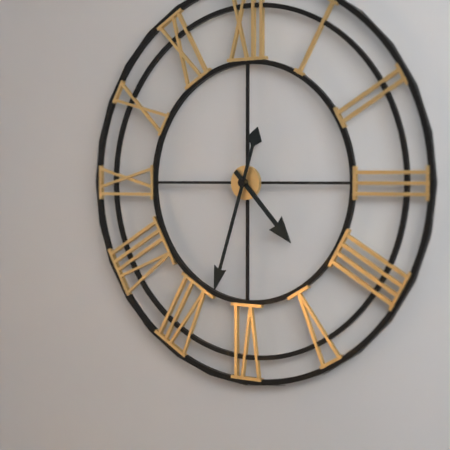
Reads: 4.33
